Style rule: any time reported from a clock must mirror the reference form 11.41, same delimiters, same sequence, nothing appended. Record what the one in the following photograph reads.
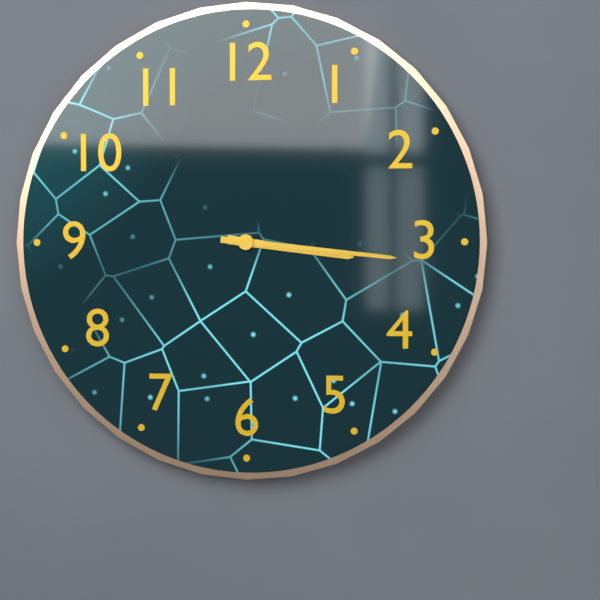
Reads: 3.16
